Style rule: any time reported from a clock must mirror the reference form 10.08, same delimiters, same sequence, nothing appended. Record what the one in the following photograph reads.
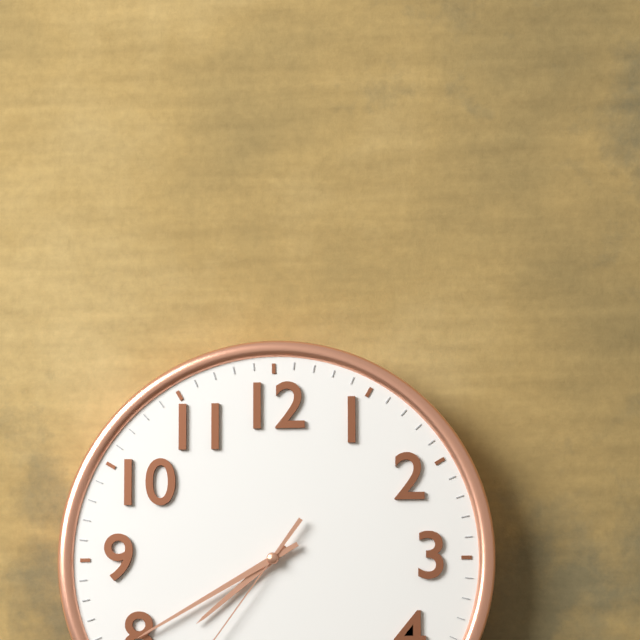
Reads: 7.40
